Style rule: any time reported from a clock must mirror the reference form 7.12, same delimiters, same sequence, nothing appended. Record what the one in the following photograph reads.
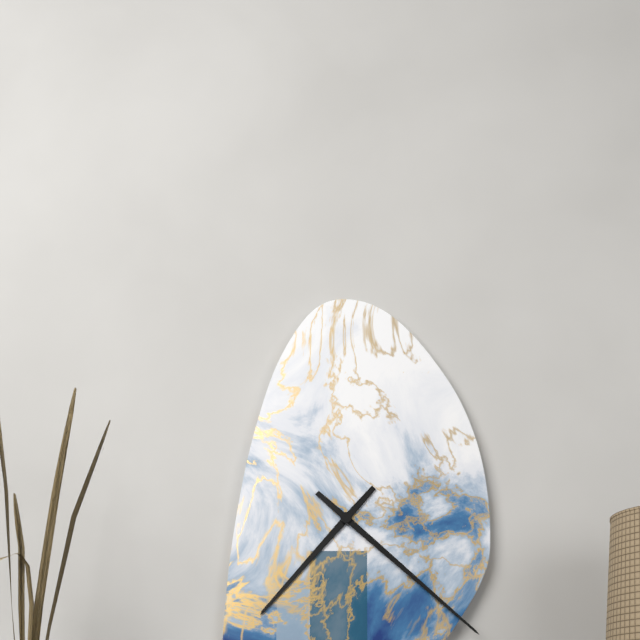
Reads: 7.22
